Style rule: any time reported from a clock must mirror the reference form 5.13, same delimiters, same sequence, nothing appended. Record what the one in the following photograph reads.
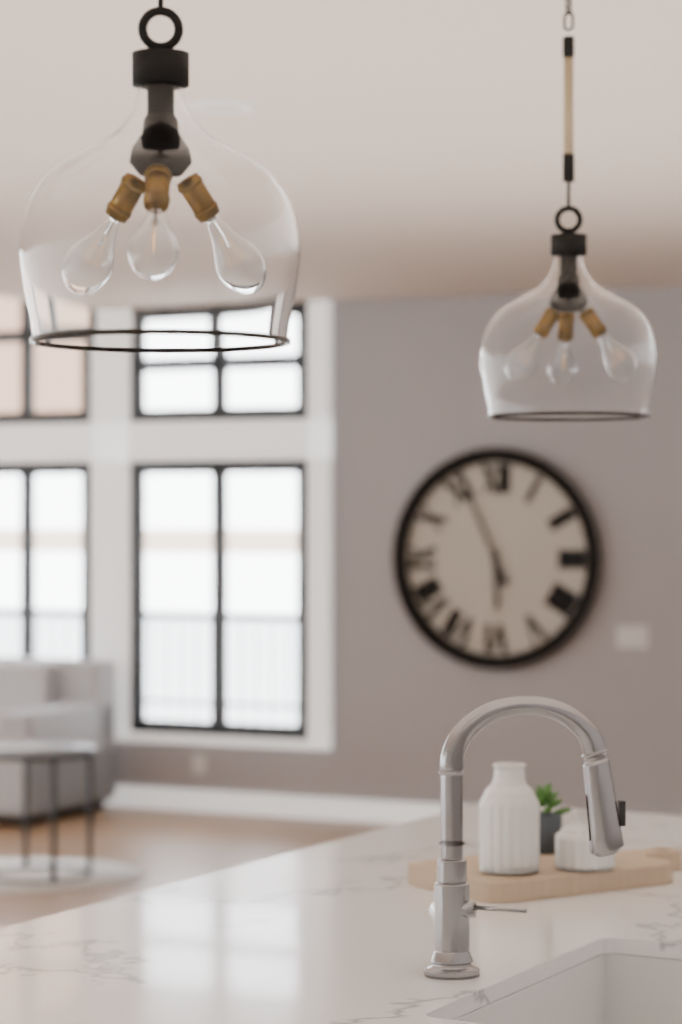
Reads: 5.56
